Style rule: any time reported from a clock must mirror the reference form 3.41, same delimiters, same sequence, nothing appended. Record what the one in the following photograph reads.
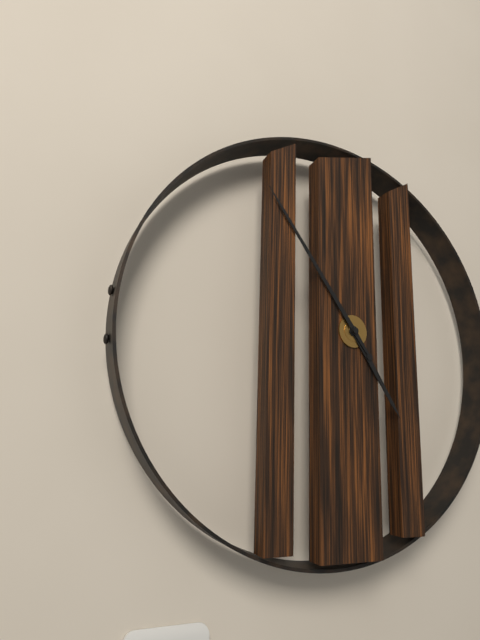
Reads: 4.54
